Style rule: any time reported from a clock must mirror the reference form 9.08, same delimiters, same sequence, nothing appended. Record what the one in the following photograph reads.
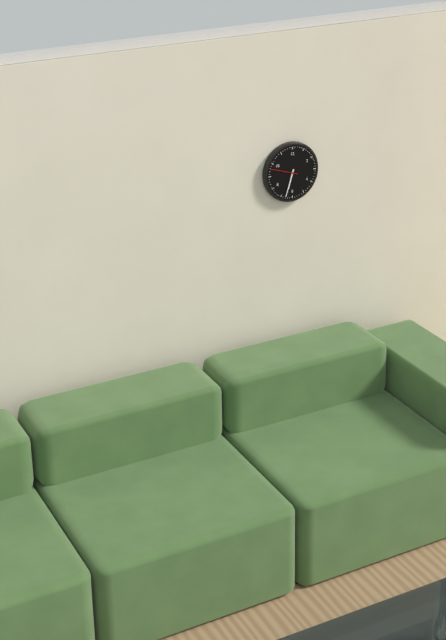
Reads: 6.33
